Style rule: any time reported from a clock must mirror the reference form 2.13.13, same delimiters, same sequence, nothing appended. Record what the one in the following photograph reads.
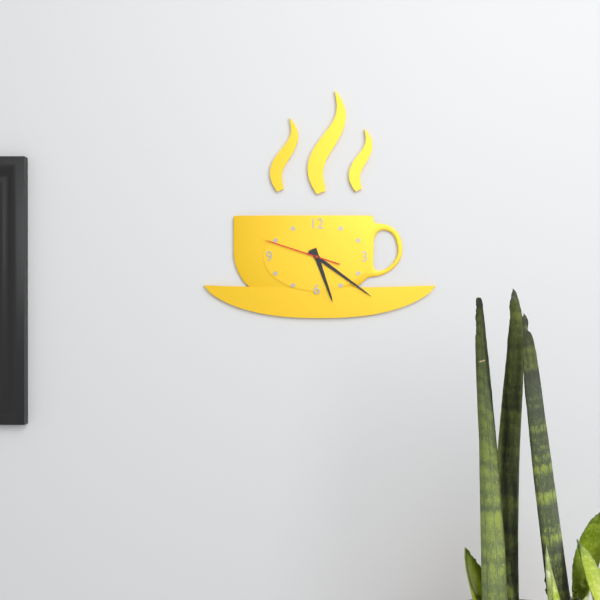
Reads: 5.21.48
